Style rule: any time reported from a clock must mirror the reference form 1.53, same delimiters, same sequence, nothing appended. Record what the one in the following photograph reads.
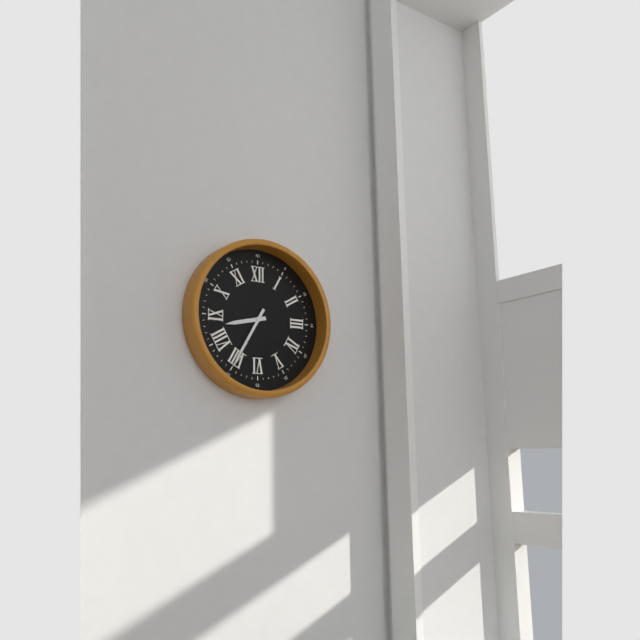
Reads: 8.35
